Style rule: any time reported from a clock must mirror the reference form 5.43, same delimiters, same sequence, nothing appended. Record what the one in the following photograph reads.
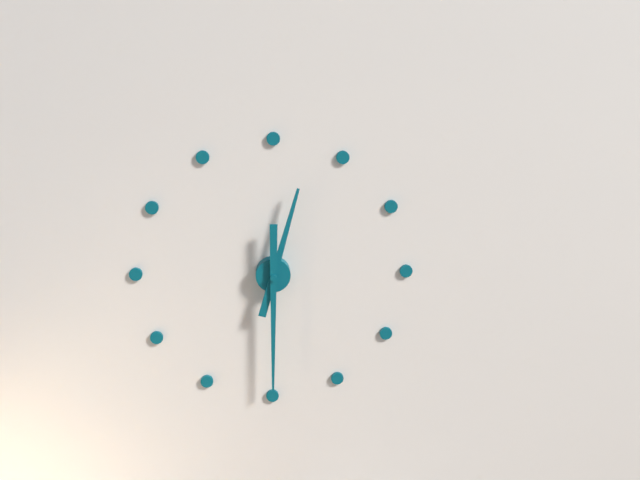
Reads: 12.30
